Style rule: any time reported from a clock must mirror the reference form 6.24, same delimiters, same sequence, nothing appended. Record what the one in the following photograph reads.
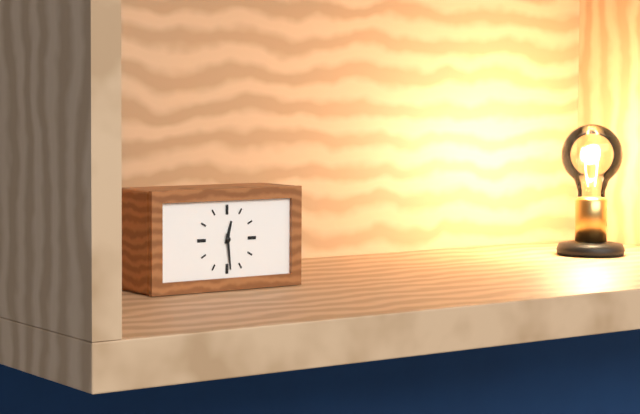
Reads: 12.29
